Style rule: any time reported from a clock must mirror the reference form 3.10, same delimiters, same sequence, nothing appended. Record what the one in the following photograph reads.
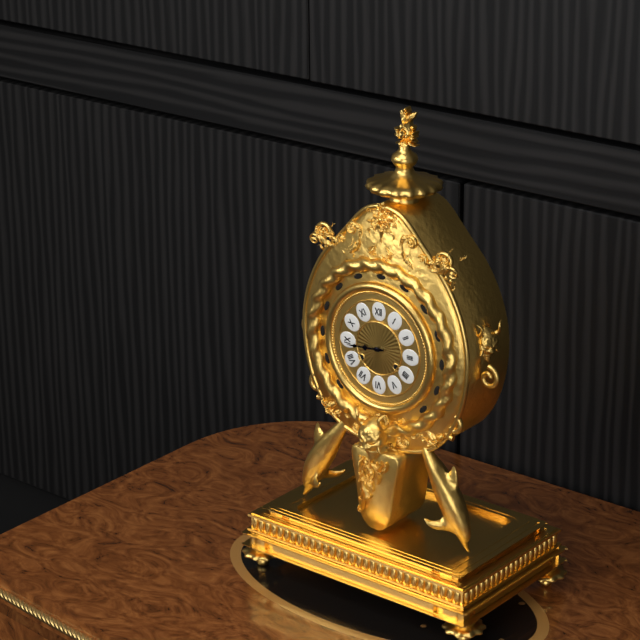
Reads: 8.44
